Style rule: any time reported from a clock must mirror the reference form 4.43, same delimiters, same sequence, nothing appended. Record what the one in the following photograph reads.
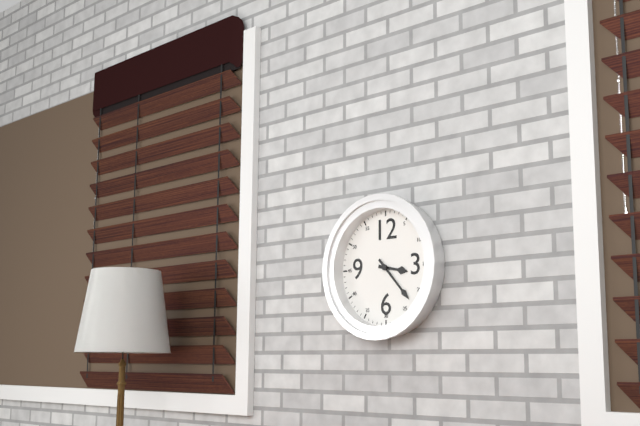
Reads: 3.23
